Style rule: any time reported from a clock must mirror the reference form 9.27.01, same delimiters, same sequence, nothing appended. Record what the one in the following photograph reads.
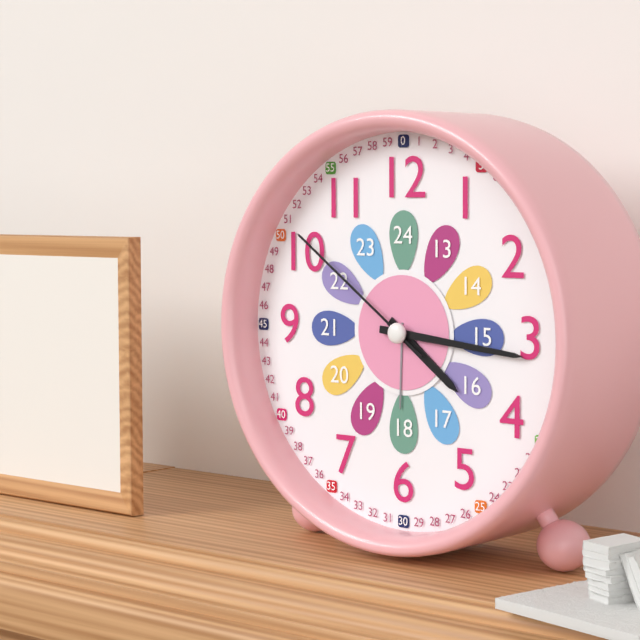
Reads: 4.16.51
